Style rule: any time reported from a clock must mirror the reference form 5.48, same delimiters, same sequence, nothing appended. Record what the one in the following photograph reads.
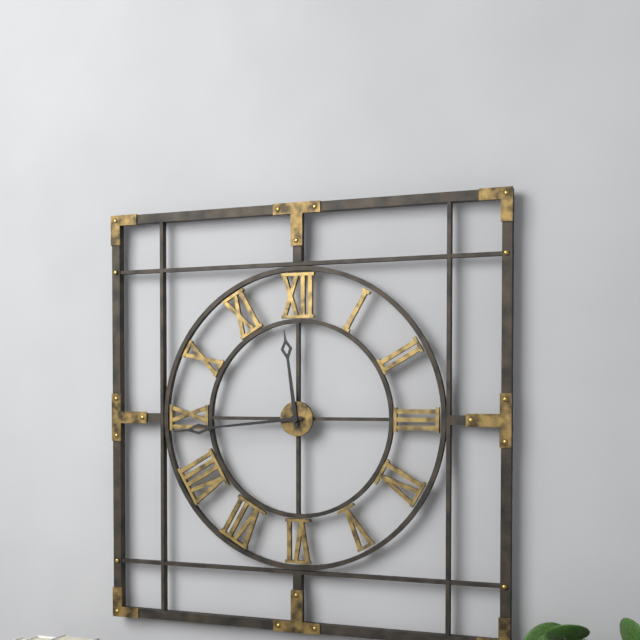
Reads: 11.44
